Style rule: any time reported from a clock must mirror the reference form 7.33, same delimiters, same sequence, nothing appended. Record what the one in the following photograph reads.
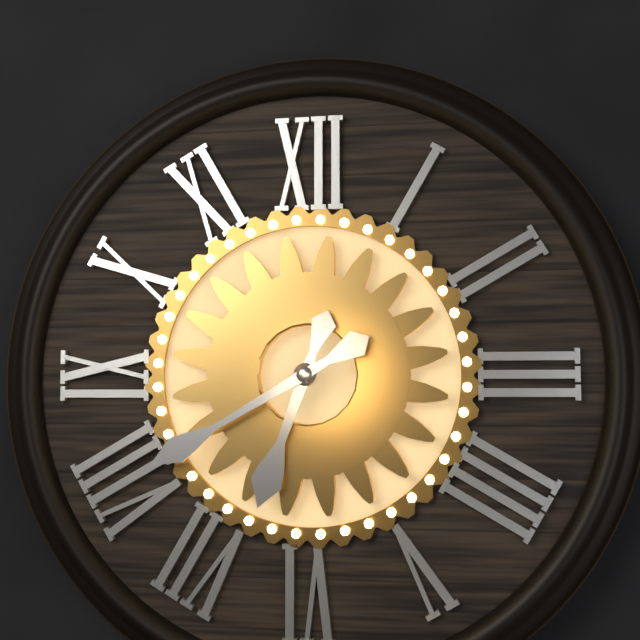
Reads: 6.40
